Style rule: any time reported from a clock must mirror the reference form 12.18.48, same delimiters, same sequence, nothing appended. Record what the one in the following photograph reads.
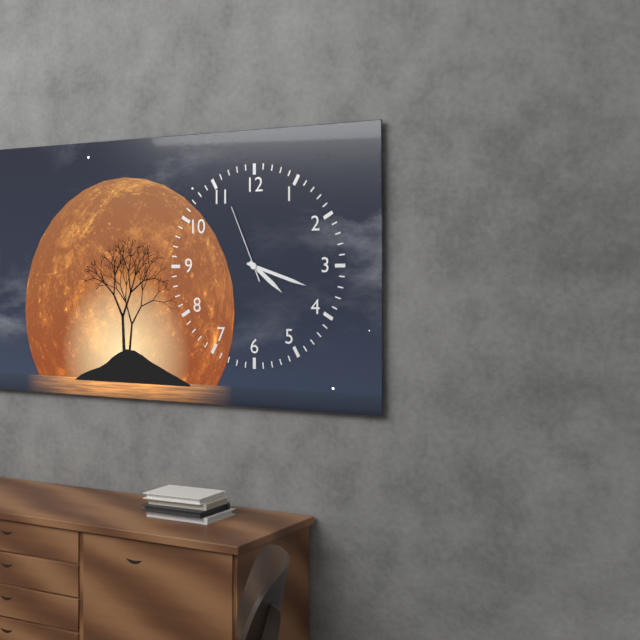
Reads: 4.18.56
